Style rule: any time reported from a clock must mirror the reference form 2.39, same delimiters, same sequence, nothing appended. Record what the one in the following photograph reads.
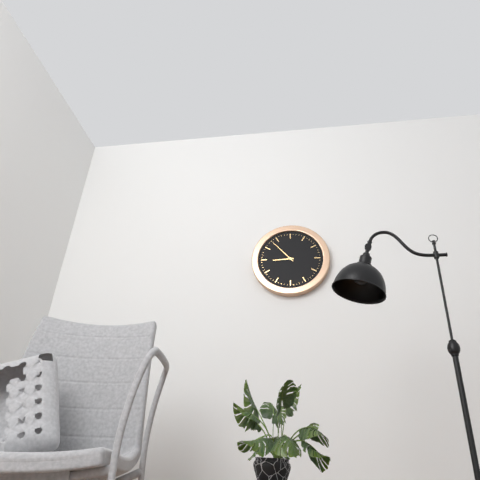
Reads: 8.53
